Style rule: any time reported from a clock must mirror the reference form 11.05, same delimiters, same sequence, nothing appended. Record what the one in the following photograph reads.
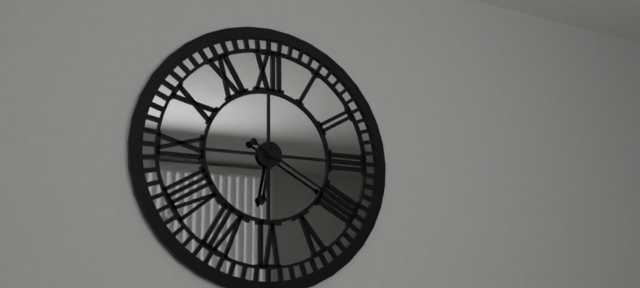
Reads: 6.20
